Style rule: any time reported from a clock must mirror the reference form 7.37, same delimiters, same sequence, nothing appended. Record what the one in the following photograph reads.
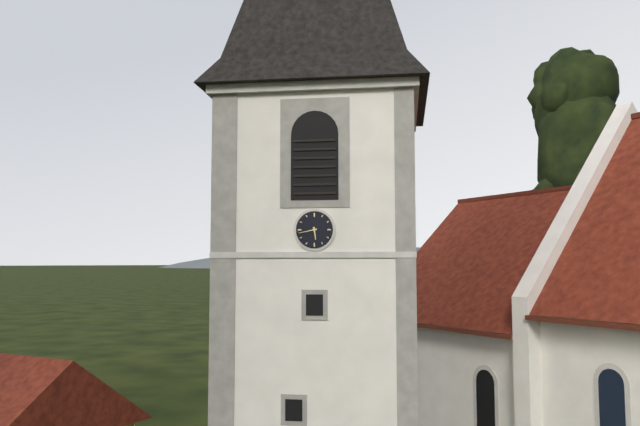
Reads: 5.43
